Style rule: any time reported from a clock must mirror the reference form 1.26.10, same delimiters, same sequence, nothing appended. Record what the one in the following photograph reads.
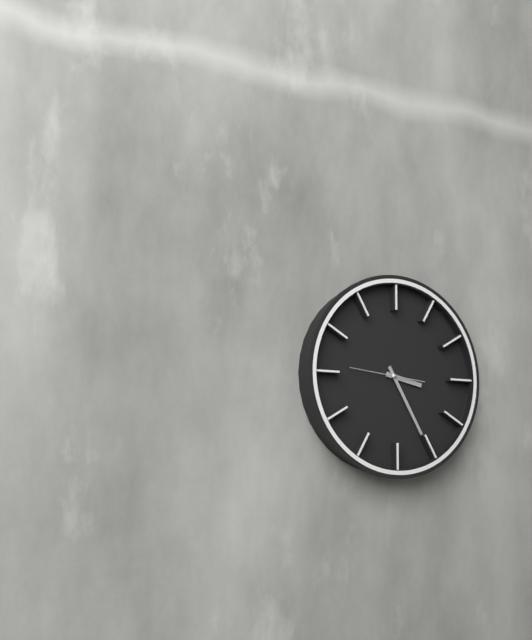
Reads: 3.25.46
